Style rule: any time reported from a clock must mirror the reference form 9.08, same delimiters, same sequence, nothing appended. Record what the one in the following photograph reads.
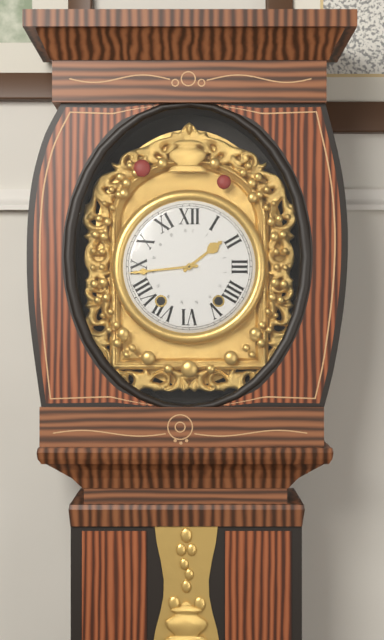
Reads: 1.44
